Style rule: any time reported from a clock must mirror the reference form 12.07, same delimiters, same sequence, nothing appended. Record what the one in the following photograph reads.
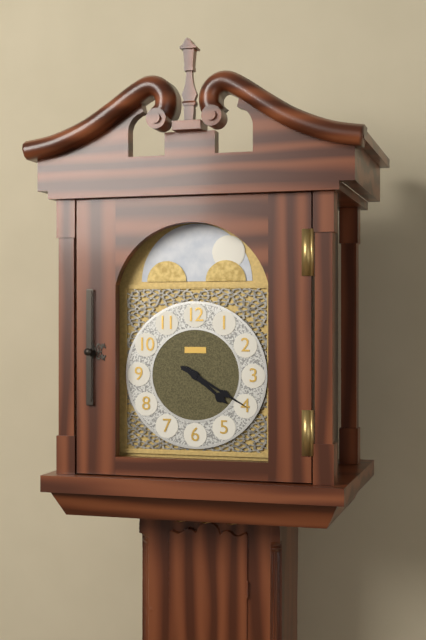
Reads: 4.20
